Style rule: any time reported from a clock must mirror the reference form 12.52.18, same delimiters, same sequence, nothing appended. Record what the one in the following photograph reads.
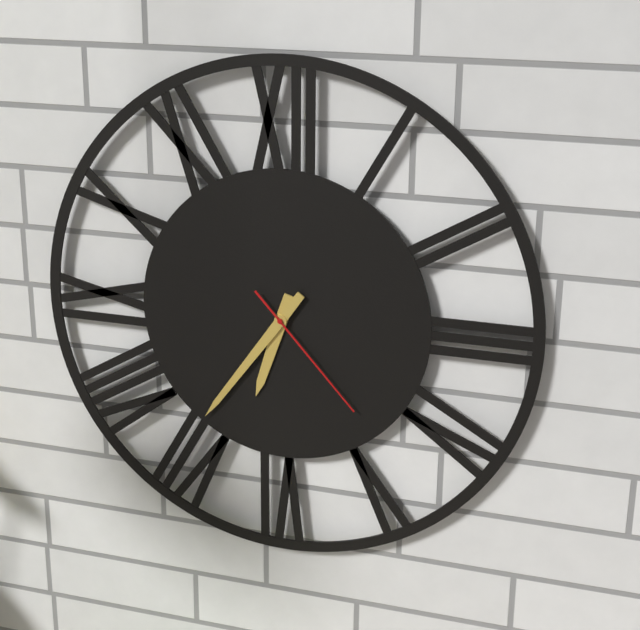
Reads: 6.36.23
